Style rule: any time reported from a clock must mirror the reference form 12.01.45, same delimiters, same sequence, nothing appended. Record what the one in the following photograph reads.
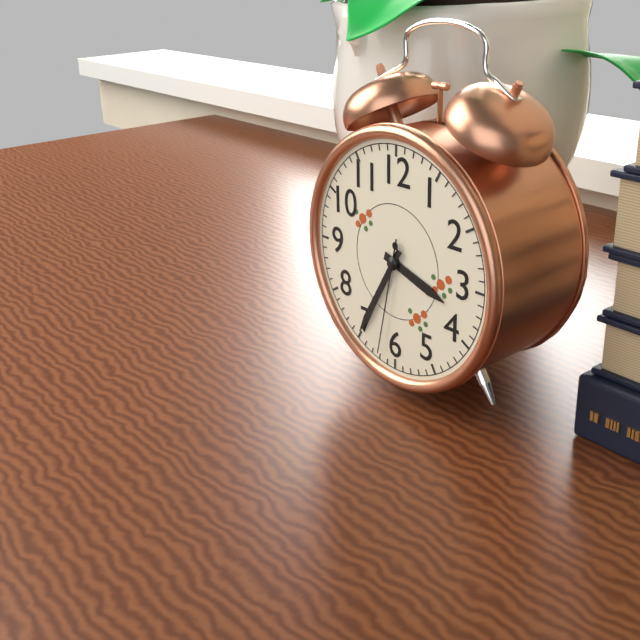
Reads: 3.35.32
